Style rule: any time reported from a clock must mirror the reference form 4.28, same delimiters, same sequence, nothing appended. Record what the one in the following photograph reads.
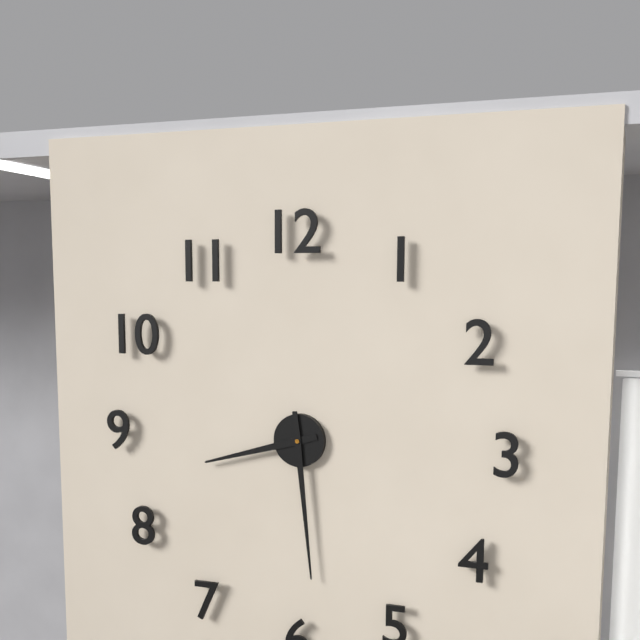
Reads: 8.29
